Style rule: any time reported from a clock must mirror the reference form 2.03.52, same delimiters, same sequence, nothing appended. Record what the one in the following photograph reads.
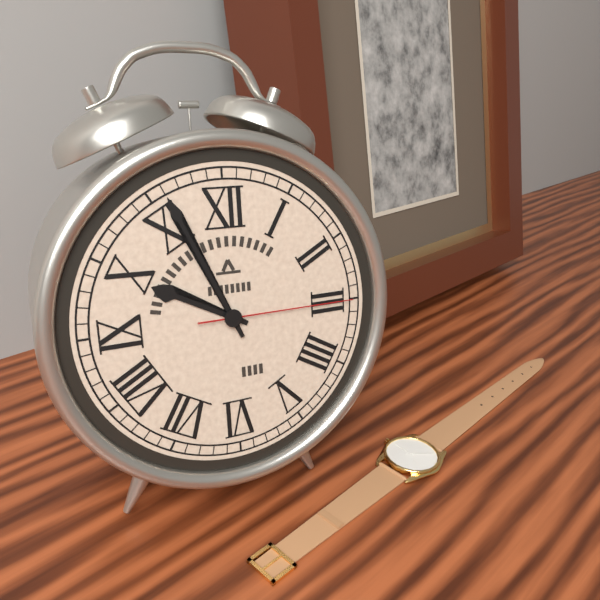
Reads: 9.56.15
